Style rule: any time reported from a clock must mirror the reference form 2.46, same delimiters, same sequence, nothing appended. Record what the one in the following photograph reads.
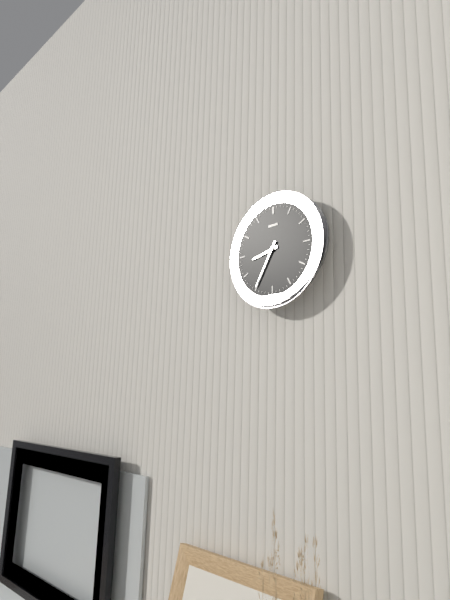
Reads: 8.35
